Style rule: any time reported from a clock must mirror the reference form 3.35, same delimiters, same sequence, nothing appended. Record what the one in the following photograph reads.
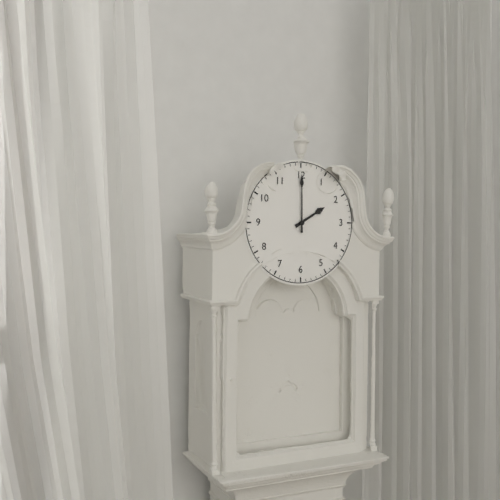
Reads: 2.00
